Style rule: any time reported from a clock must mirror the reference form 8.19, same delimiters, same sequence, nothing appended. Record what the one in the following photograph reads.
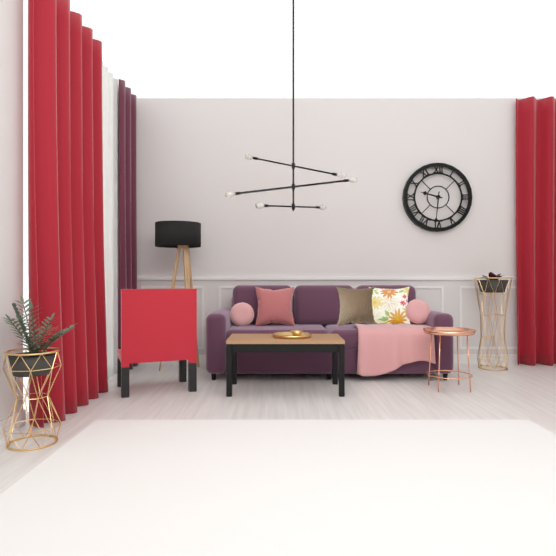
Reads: 9.31
